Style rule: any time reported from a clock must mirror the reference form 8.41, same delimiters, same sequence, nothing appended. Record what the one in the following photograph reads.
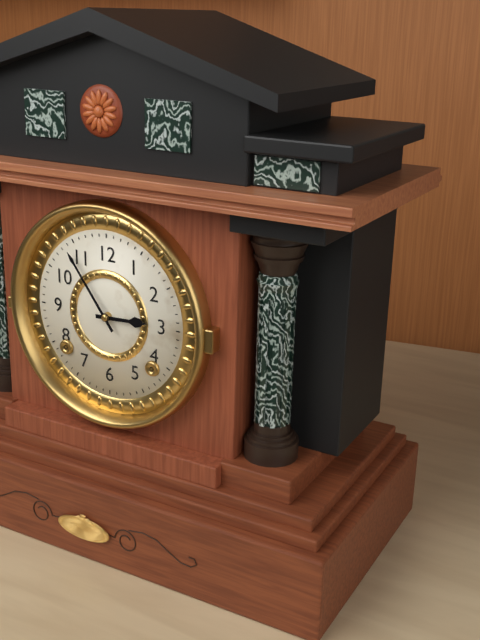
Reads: 2.54
